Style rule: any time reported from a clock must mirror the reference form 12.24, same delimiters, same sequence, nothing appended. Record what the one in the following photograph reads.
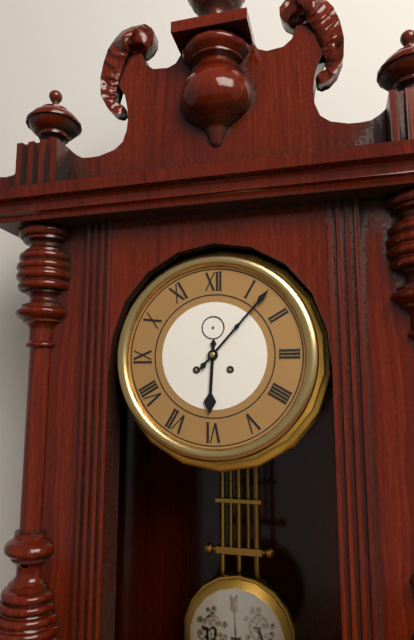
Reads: 6.07
